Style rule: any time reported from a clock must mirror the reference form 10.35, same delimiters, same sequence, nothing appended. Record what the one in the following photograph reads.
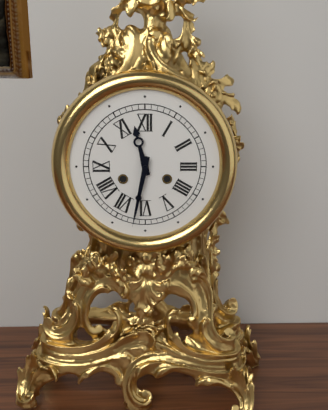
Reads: 11.32
